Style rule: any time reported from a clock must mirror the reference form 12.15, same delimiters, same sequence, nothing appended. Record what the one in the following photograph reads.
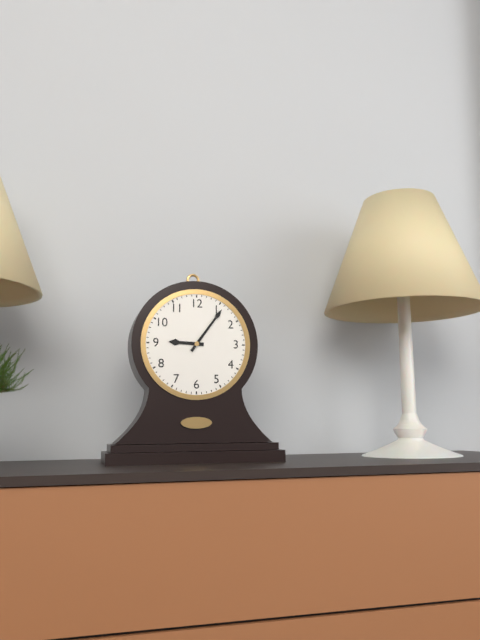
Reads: 9.06
